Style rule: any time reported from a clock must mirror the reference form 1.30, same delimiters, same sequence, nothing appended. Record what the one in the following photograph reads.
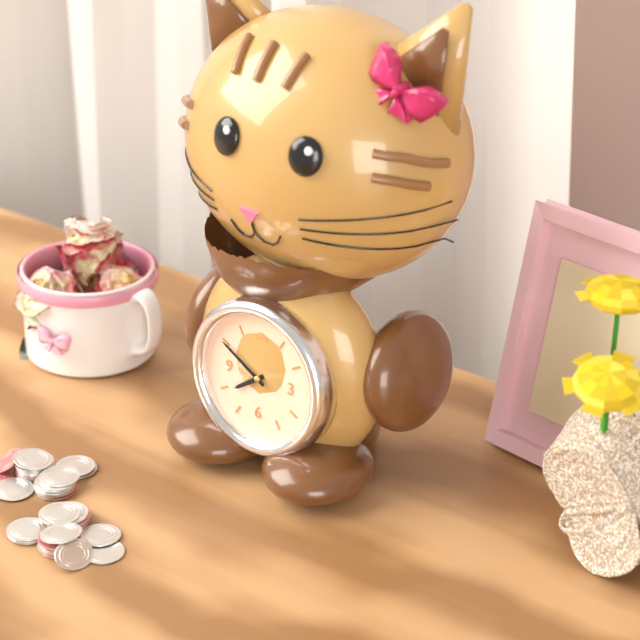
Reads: 7.50
